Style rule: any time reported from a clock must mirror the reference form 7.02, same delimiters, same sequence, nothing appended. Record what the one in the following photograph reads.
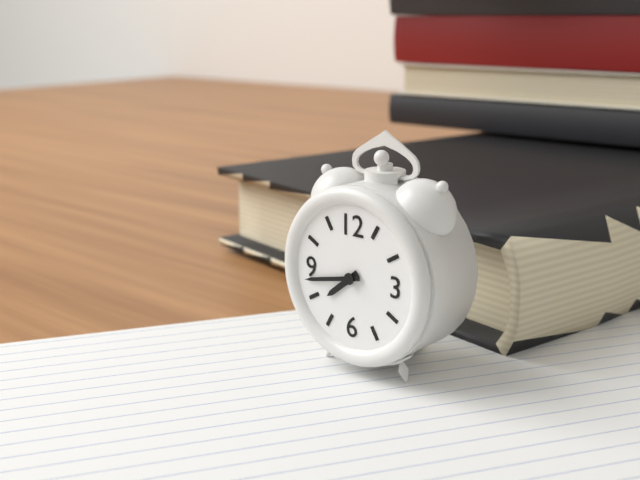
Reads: 7.43
